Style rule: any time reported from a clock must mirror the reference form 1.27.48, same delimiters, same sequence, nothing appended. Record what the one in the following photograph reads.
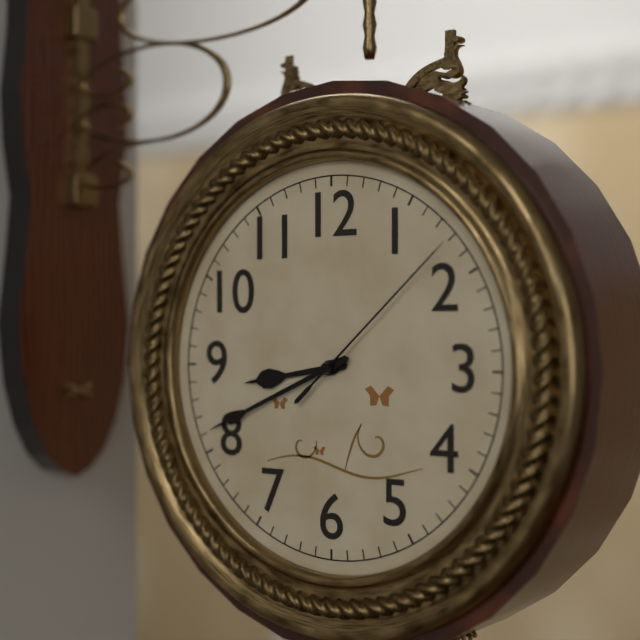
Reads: 8.41.08
